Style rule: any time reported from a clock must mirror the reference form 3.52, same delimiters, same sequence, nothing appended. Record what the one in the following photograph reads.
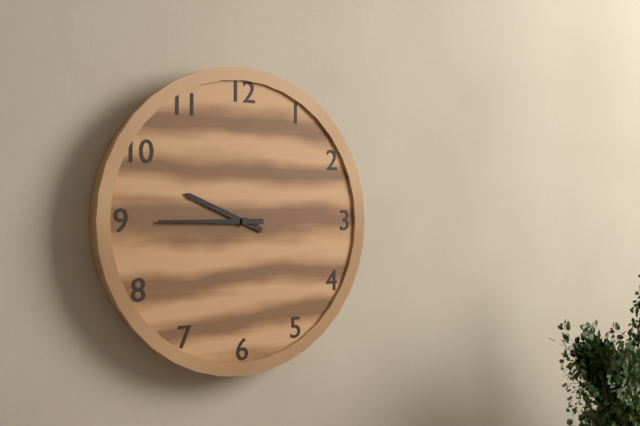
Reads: 9.45
